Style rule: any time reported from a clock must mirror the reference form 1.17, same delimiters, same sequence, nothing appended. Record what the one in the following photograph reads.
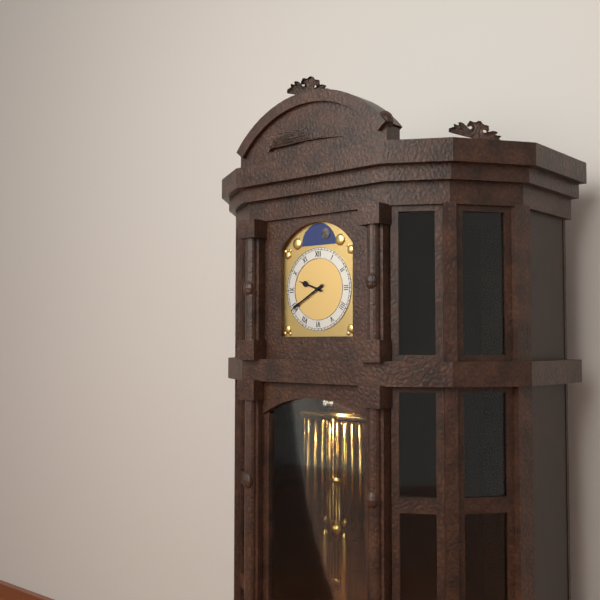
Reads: 9.40
